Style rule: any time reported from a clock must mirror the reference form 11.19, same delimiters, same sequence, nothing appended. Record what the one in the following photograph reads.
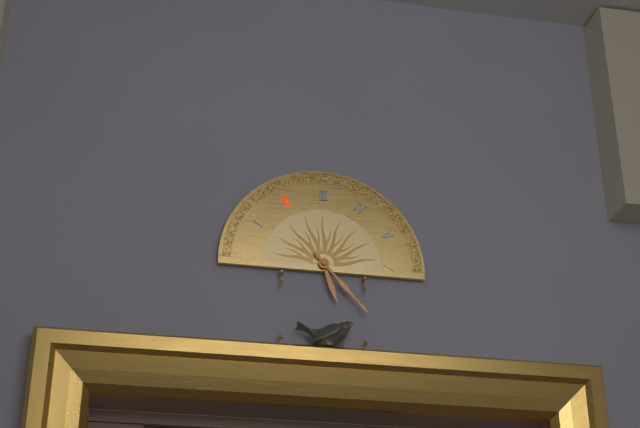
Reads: 5.23
